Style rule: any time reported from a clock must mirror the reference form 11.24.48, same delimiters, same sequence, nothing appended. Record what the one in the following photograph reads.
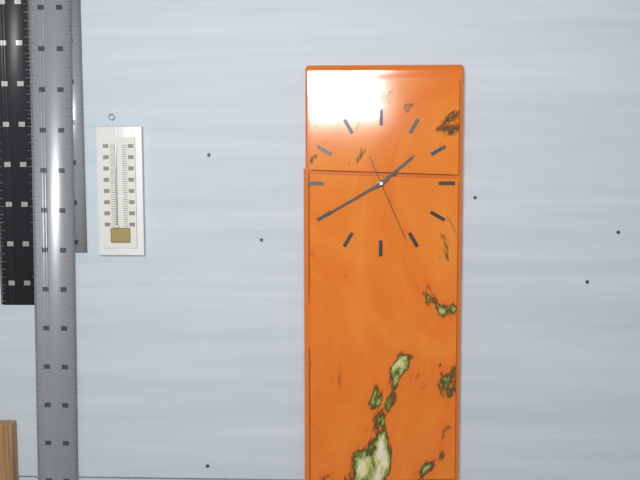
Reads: 1.40.26
